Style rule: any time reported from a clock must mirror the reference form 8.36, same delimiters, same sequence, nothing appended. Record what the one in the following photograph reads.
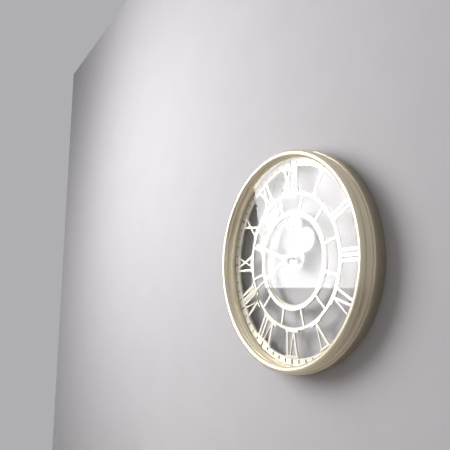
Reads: 9.40
